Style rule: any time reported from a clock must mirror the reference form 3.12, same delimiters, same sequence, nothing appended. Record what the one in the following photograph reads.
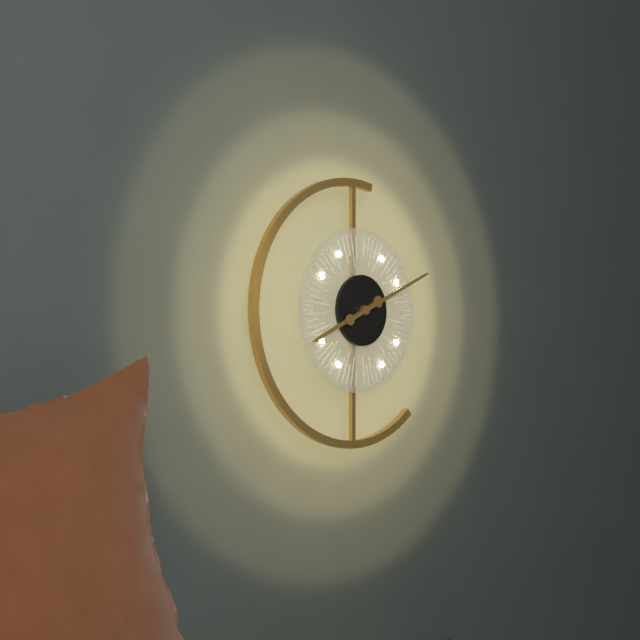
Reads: 8.11
